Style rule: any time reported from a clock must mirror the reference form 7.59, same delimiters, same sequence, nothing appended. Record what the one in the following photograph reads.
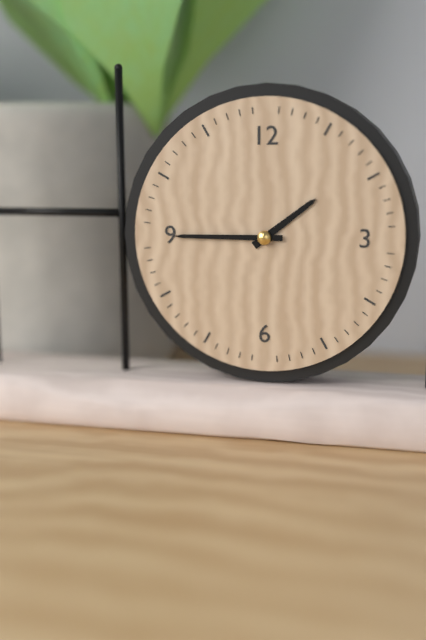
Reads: 1.45
